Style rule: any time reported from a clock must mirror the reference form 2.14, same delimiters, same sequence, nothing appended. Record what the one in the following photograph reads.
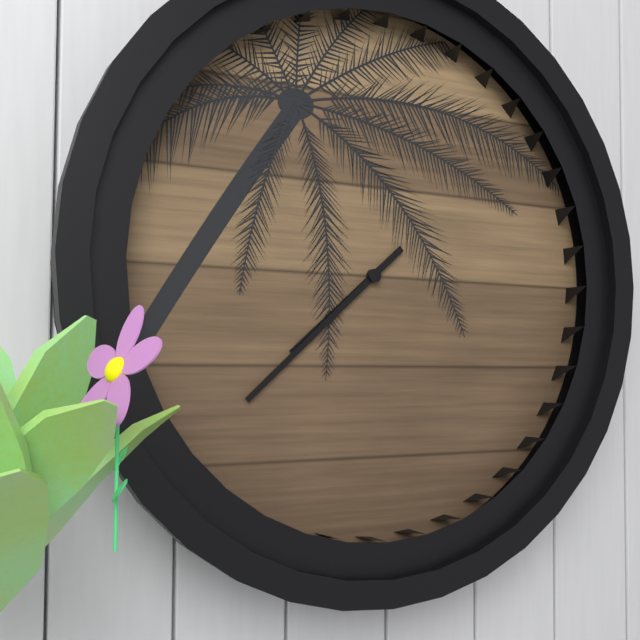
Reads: 7.38
